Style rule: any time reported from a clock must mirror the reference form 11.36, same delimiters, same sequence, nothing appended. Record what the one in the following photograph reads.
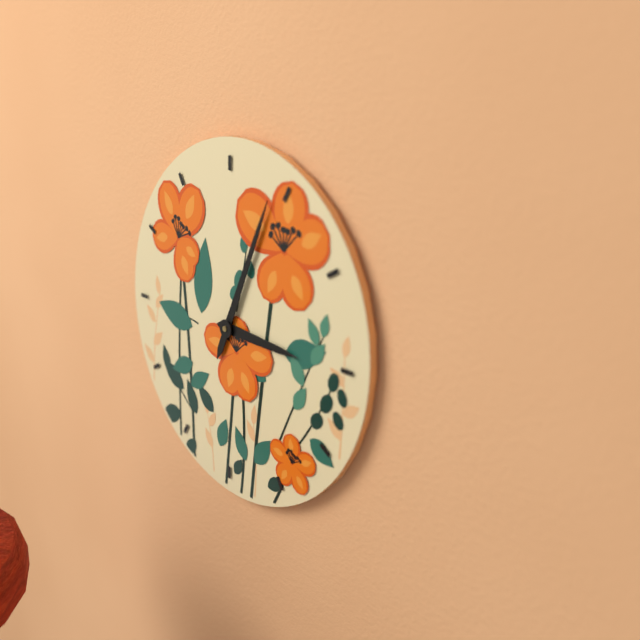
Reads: 3.04
